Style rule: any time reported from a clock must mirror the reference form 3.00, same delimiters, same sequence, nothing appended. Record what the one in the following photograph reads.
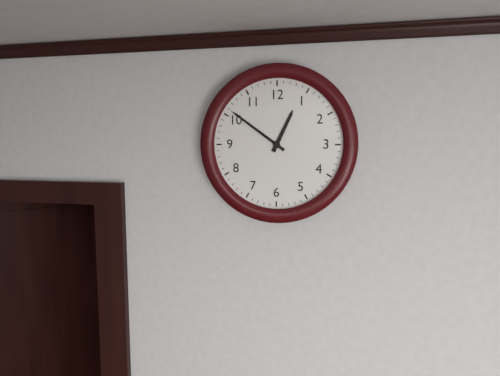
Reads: 12.51
